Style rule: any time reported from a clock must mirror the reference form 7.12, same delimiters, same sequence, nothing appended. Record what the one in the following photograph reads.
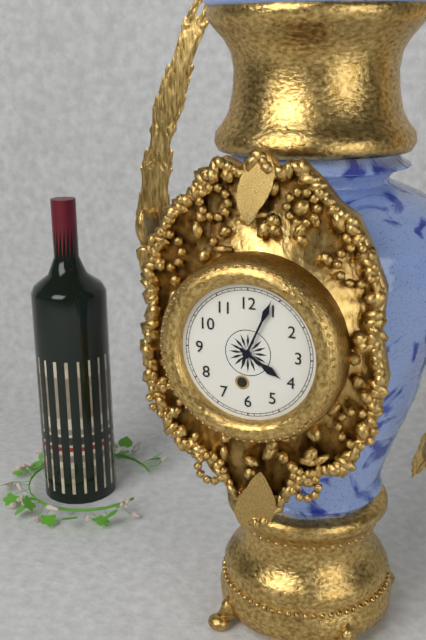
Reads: 4.04
